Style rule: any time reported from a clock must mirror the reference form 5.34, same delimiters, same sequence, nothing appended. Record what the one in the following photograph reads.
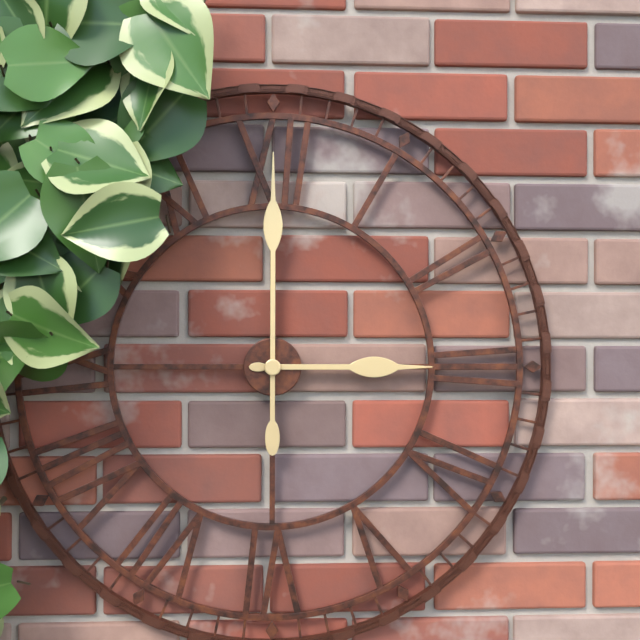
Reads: 3.00
